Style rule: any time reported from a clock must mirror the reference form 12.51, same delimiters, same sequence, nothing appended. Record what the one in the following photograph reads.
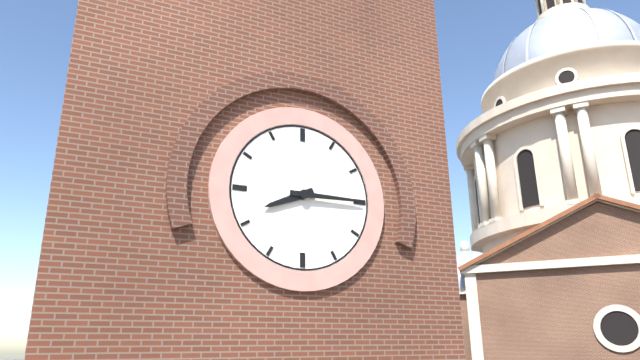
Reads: 8.15
